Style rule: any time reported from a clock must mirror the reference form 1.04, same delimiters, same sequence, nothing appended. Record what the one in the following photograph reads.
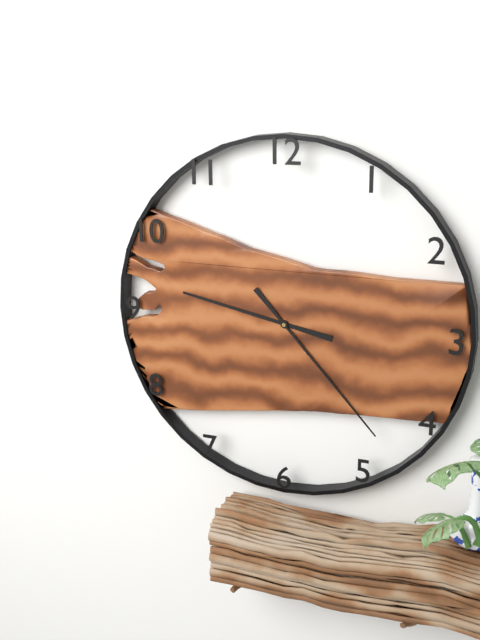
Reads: 9.23
